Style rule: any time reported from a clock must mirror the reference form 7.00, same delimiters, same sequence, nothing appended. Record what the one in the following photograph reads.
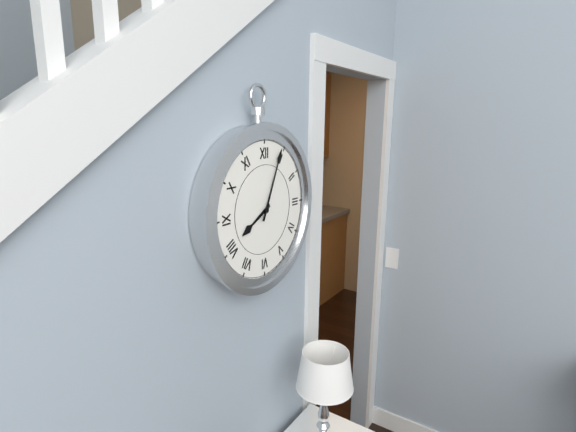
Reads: 8.04
